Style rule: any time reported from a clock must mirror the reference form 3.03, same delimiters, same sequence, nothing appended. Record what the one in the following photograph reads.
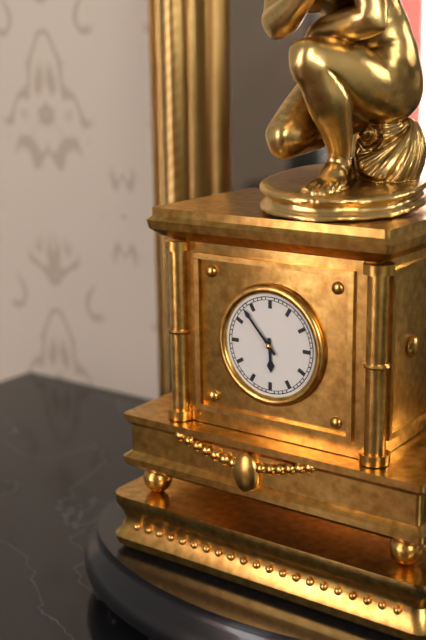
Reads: 5.53
